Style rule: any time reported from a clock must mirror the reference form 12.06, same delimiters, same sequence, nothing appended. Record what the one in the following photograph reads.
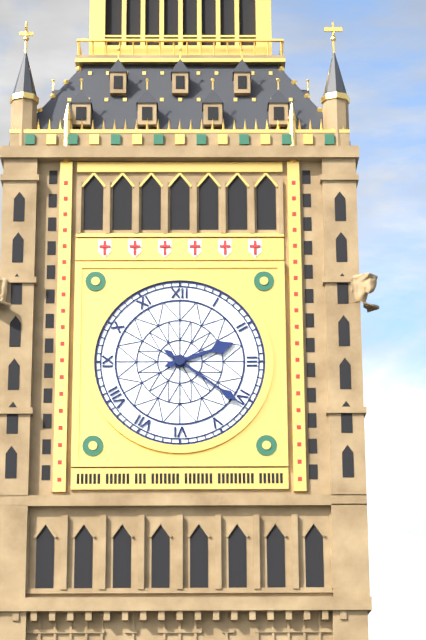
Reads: 2.21
